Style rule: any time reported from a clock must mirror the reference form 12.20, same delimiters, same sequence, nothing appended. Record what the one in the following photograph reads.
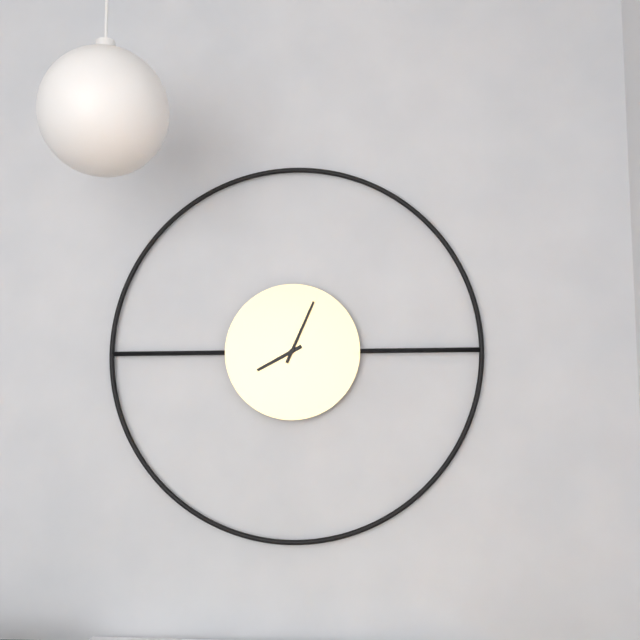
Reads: 8.04
